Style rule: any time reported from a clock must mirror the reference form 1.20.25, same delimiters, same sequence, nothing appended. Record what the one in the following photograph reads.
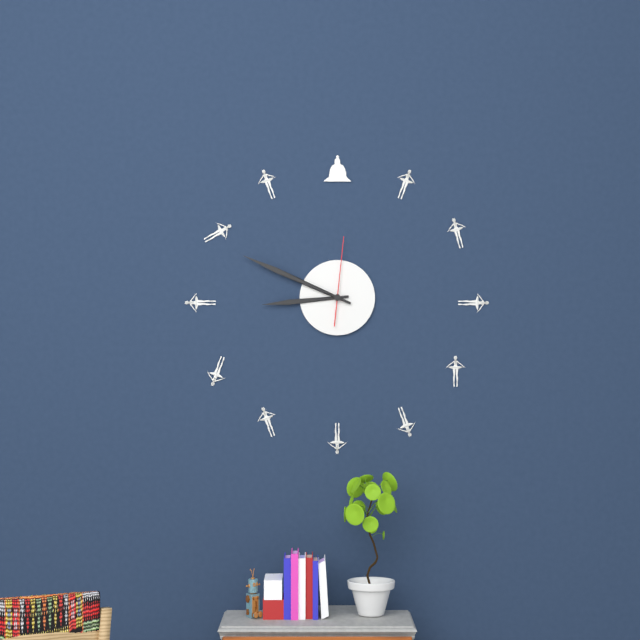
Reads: 8.49.01
